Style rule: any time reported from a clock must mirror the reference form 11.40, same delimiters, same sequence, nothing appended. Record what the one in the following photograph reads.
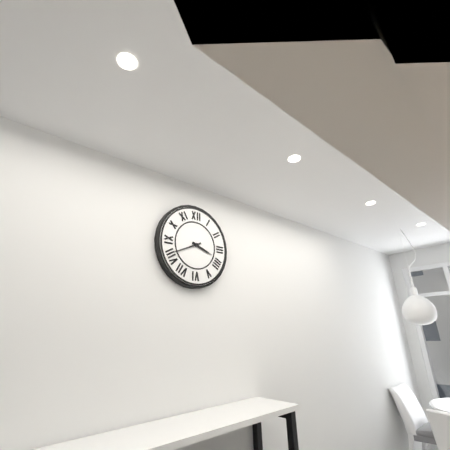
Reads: 3.41
